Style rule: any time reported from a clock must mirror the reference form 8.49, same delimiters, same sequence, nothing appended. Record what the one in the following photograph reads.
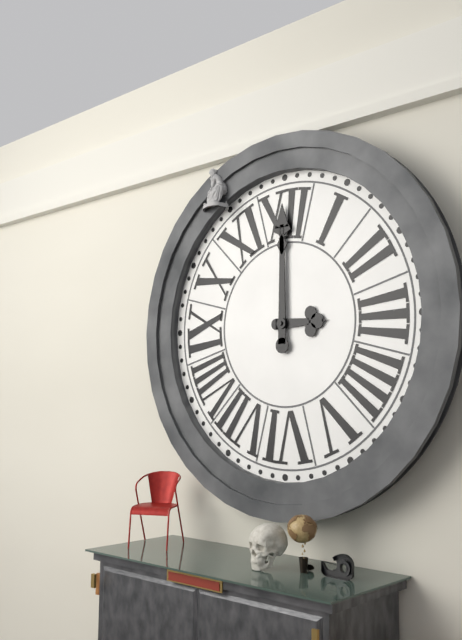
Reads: 3.00
